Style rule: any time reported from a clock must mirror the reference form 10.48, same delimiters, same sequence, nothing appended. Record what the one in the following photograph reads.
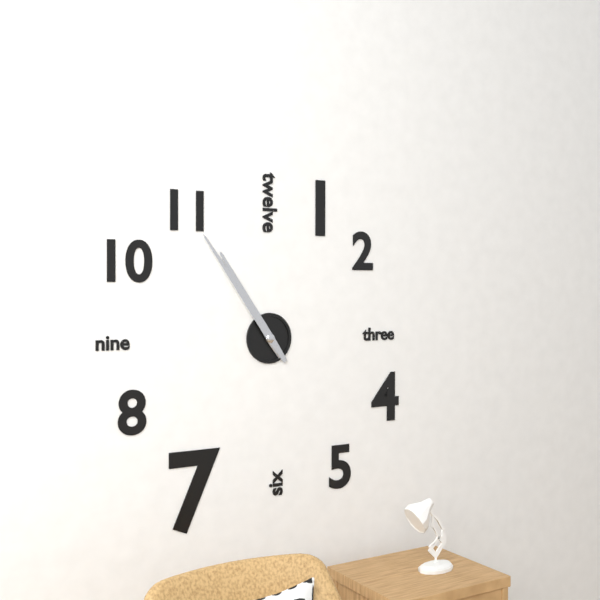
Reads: 10.54
